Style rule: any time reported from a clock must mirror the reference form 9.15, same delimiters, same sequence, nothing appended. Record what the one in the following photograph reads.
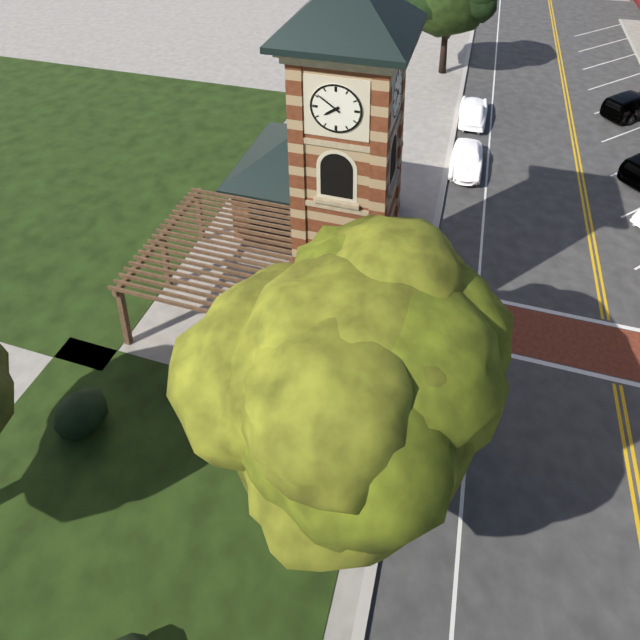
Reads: 7.51
